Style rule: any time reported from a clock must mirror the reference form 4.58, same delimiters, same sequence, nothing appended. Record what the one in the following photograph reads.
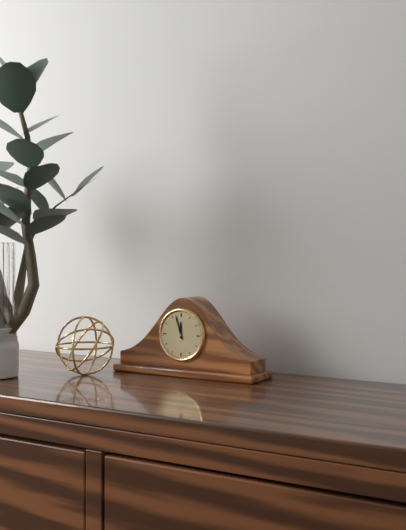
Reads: 11.57
